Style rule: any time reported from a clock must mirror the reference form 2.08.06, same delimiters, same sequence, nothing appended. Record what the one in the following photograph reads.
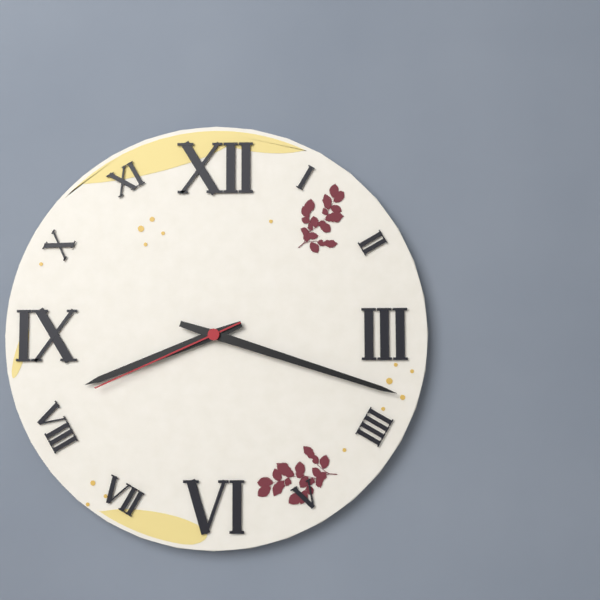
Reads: 8.18.41
